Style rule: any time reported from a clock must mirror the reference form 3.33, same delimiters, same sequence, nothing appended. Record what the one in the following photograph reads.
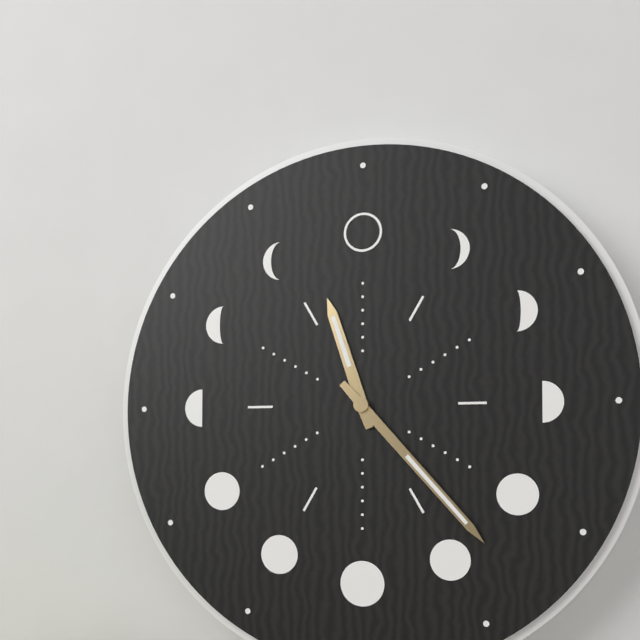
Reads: 11.23
